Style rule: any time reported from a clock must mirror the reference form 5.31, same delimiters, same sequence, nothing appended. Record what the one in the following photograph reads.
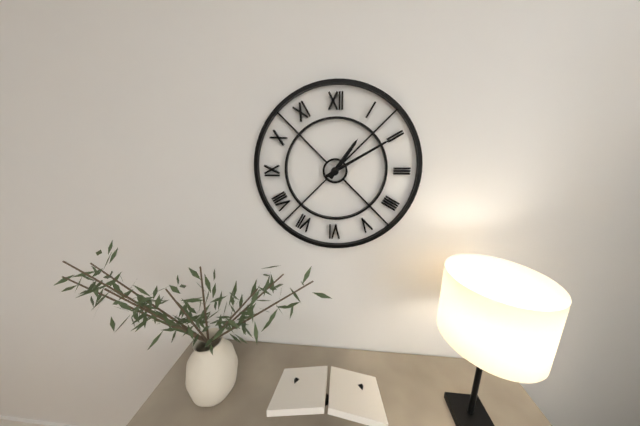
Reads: 1.10
